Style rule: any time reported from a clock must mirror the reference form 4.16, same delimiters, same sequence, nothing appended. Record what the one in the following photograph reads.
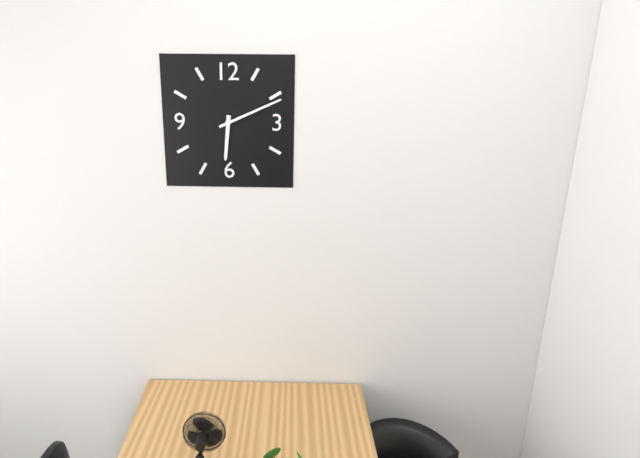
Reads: 6.11
